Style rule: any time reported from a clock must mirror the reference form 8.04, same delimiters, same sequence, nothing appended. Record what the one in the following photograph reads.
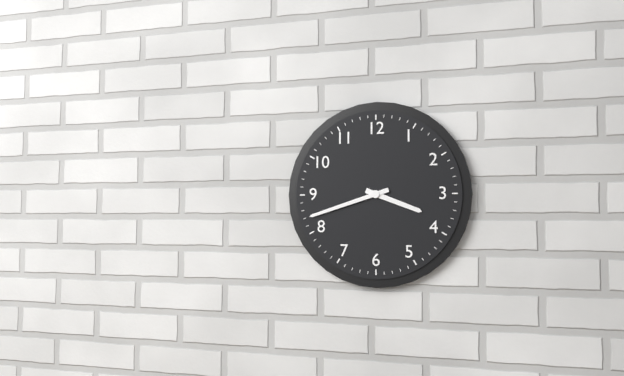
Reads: 3.42
